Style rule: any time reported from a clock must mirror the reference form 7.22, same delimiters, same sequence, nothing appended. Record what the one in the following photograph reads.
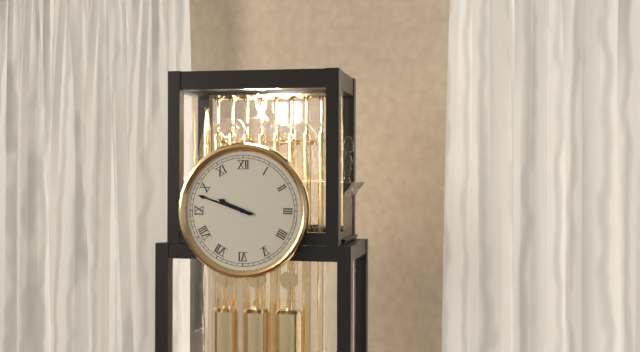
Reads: 9.48
